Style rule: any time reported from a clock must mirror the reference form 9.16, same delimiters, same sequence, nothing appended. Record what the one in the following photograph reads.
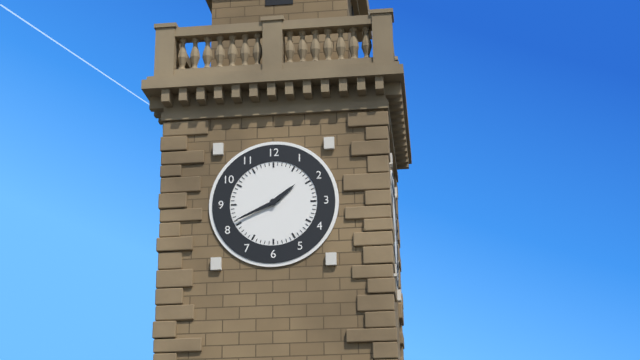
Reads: 1.41
